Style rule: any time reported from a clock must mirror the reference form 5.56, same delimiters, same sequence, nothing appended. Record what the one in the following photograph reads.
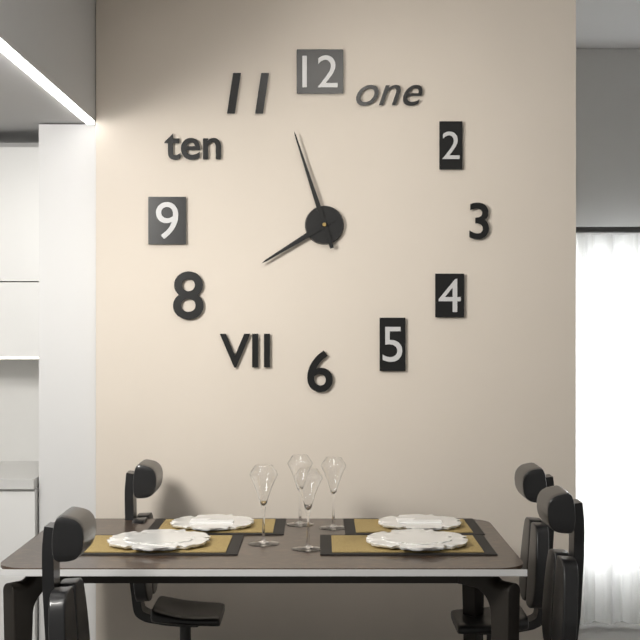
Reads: 7.57
